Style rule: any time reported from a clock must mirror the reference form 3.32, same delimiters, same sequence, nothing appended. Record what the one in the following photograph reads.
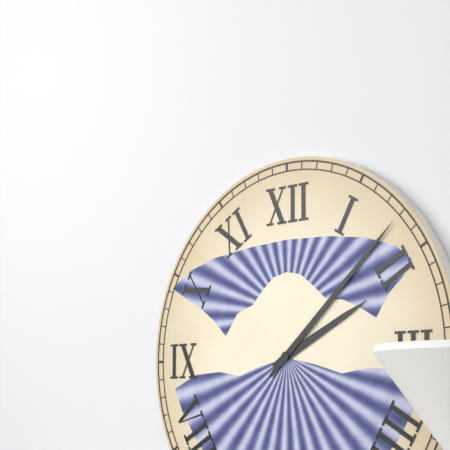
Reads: 2.08
